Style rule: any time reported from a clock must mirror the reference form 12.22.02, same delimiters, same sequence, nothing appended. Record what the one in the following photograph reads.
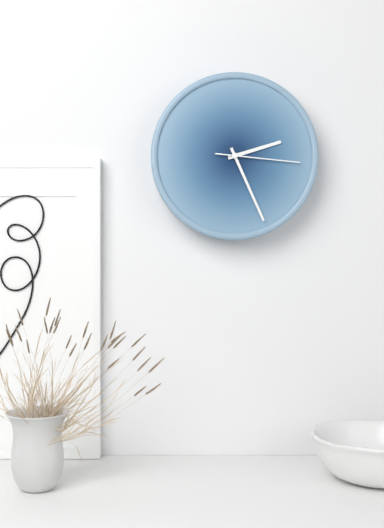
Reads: 2.26.16
